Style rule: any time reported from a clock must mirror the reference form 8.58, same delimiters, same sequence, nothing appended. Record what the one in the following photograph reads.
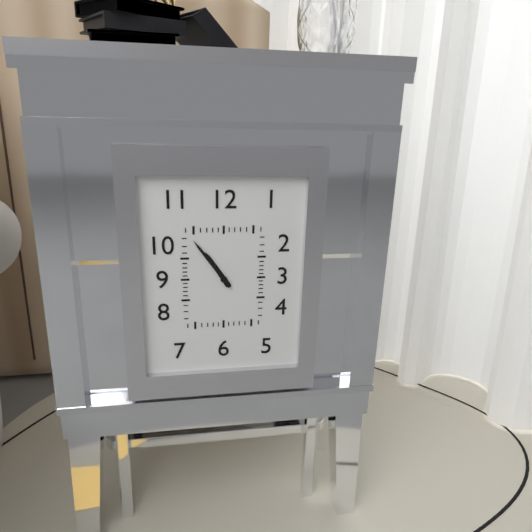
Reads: 10.54
